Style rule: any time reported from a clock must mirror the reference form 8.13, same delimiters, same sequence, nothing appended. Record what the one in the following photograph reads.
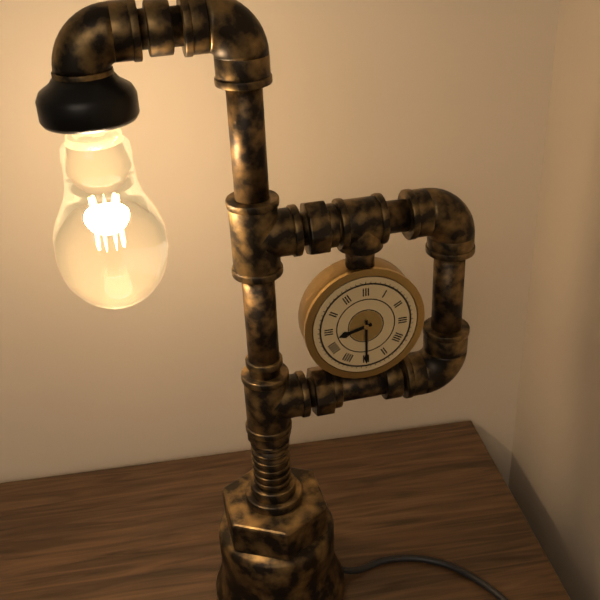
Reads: 8.30
